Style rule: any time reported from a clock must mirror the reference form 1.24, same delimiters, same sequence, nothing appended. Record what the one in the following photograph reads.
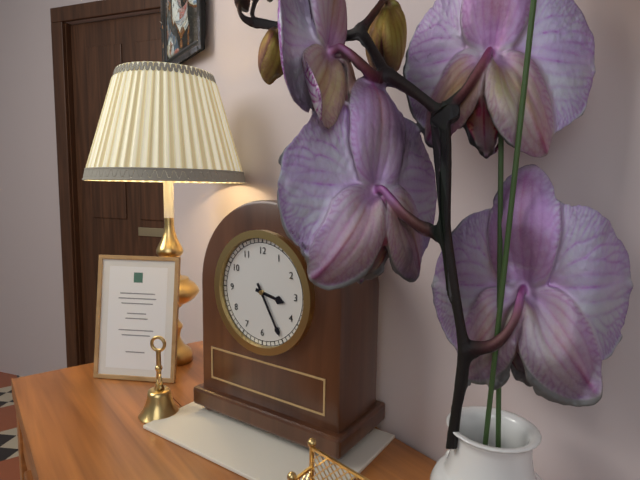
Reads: 3.25
